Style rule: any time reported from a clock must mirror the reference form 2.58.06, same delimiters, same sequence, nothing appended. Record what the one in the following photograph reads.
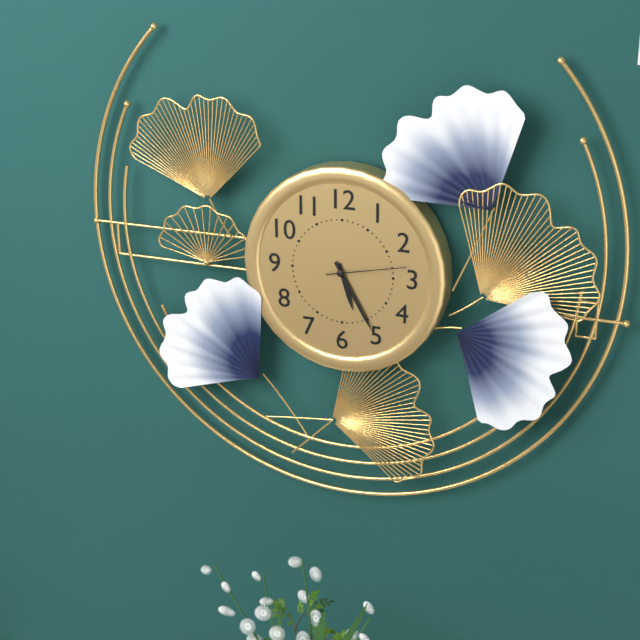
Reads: 5.25.13
